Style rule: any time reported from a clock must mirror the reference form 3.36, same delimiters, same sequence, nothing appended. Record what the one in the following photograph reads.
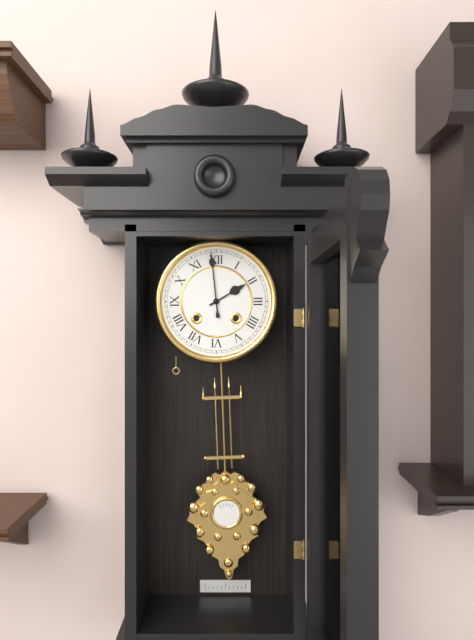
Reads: 1.59
